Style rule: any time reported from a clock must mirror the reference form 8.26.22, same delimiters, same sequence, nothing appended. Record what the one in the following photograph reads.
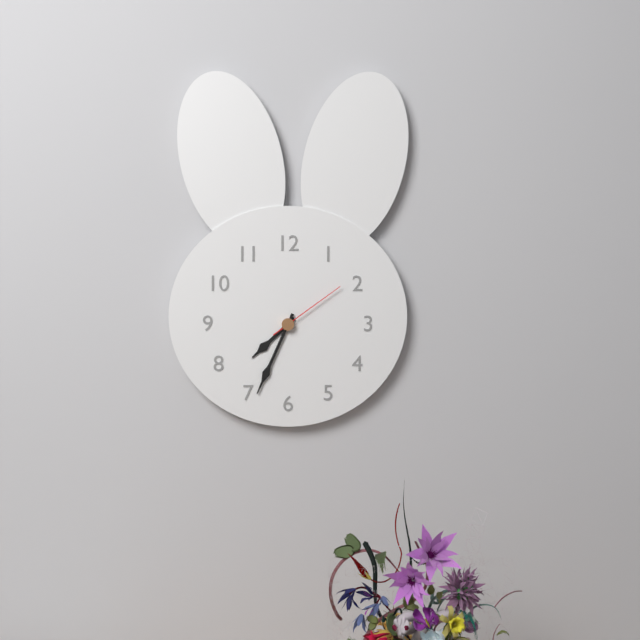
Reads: 7.34.09
